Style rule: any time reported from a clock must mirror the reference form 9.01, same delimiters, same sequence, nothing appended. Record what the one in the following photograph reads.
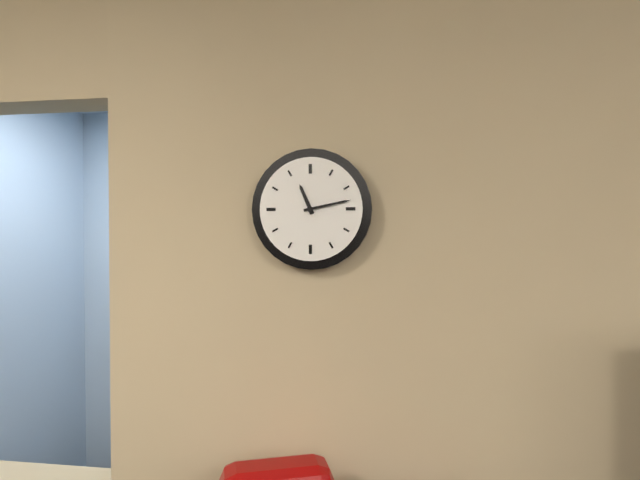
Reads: 11.13
